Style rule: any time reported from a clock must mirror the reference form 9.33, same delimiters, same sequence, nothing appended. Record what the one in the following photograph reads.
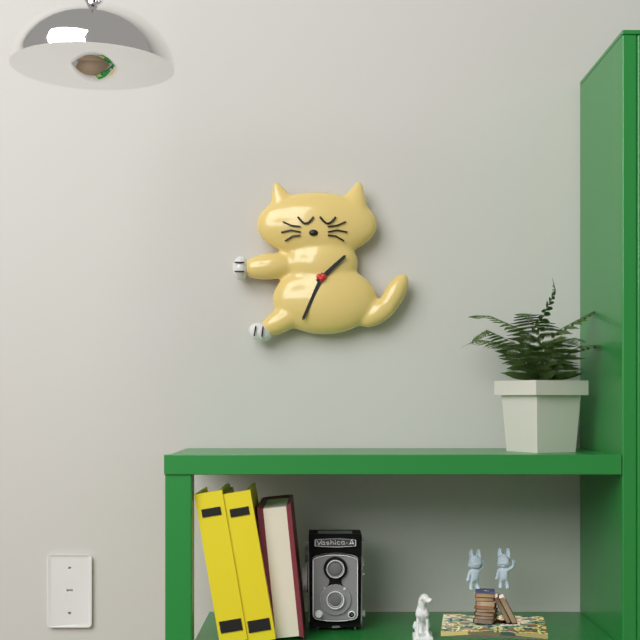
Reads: 1.34
